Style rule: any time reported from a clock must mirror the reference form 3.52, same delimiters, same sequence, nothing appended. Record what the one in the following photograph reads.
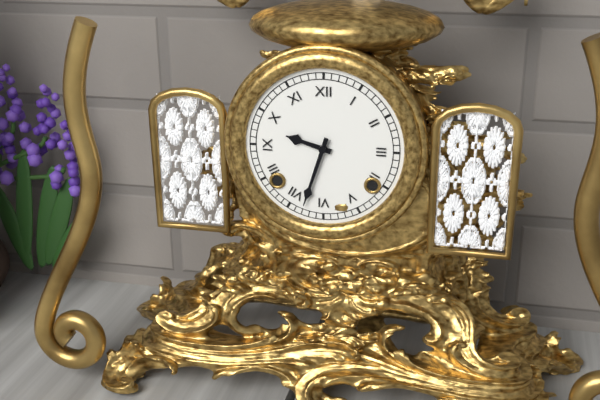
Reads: 9.33
